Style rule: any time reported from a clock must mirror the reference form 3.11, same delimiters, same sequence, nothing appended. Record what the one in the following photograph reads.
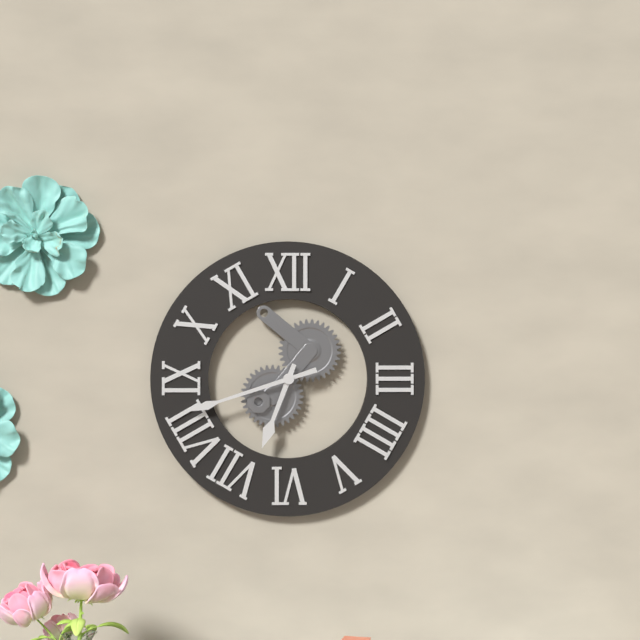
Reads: 6.42
